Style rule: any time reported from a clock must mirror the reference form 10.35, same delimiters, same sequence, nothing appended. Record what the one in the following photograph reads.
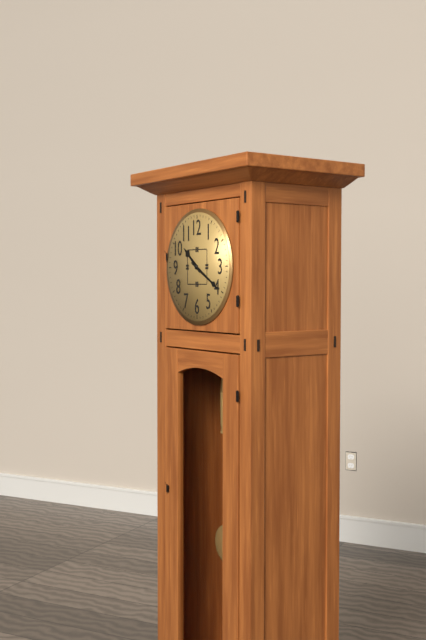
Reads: 10.20
